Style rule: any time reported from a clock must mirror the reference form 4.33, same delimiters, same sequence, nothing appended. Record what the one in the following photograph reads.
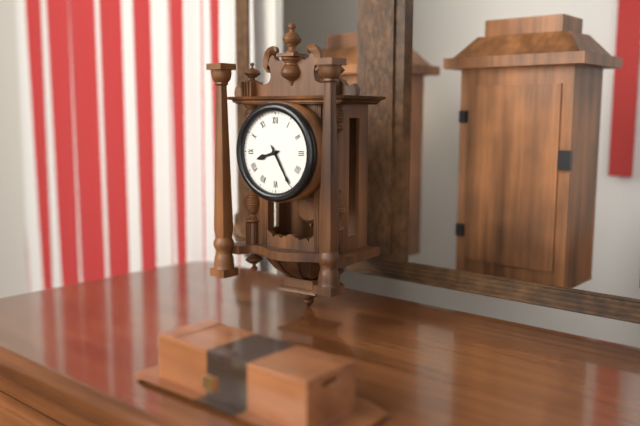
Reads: 8.25
